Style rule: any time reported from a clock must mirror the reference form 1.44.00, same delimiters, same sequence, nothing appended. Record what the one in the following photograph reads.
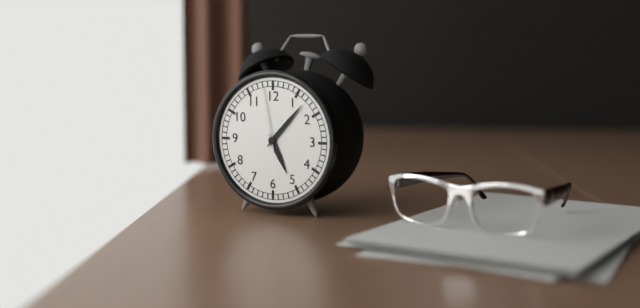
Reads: 5.07.58
